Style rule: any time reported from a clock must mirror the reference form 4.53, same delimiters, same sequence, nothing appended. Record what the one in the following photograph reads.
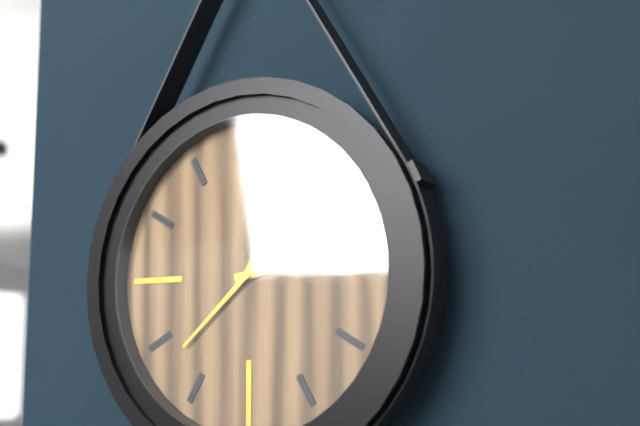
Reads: 2.38
